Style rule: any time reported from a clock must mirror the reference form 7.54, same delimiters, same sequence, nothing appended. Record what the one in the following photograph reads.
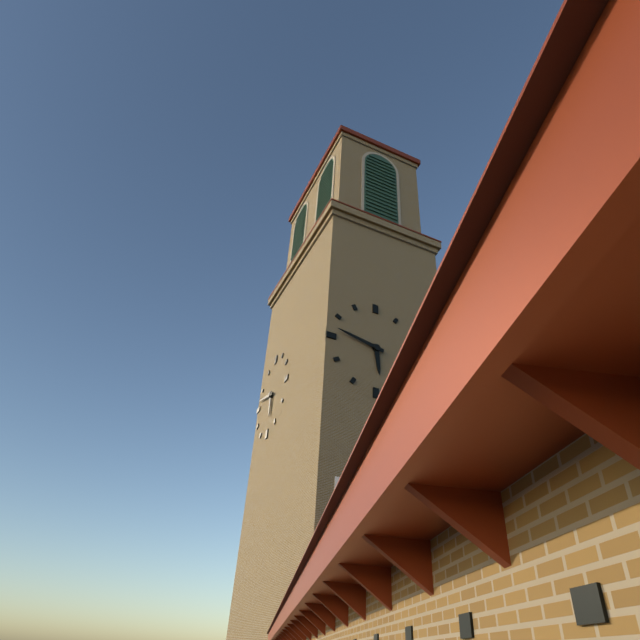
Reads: 5.47
